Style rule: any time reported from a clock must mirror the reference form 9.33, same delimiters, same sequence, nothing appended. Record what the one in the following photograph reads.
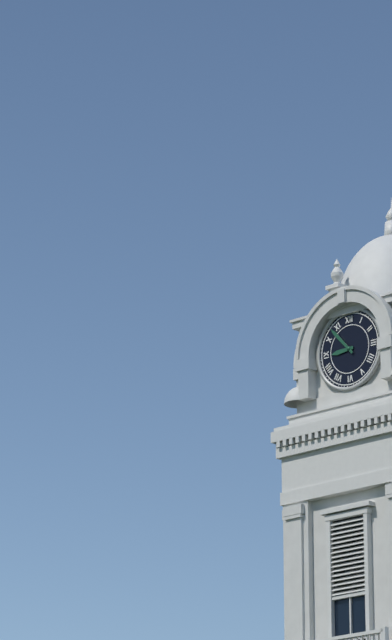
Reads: 8.53
